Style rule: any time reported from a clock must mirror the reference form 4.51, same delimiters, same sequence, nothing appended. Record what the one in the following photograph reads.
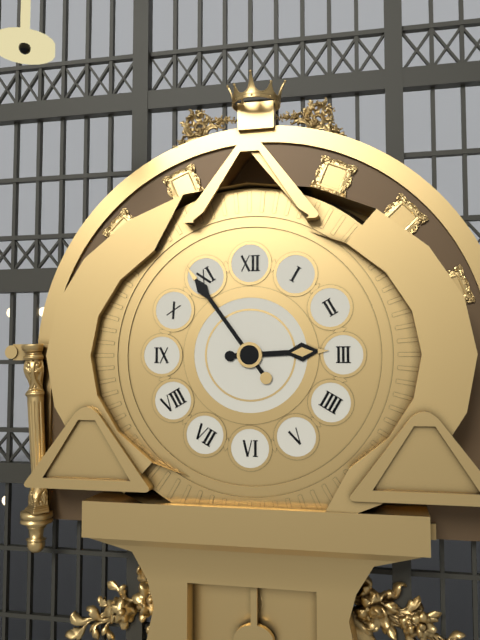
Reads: 2.54
